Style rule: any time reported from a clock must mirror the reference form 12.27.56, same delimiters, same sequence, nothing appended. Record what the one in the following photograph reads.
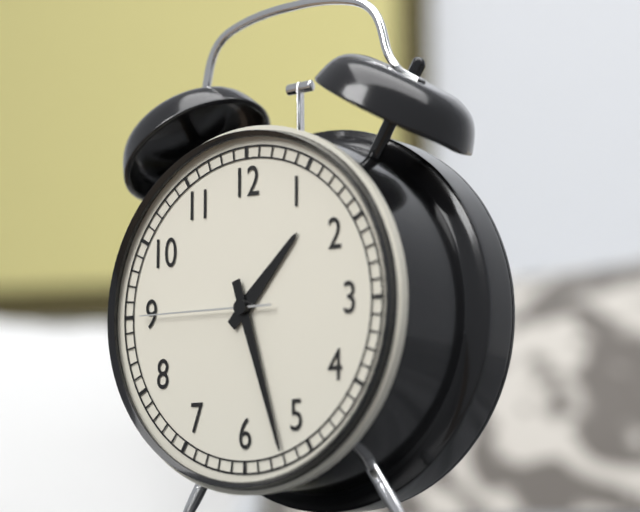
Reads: 1.27.45
